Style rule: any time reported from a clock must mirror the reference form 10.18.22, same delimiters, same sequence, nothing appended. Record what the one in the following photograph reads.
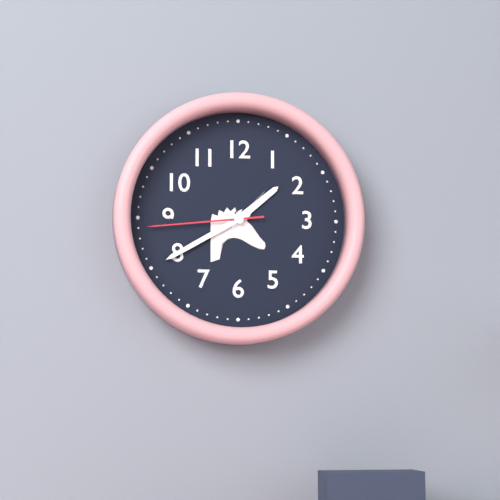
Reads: 1.40.44
